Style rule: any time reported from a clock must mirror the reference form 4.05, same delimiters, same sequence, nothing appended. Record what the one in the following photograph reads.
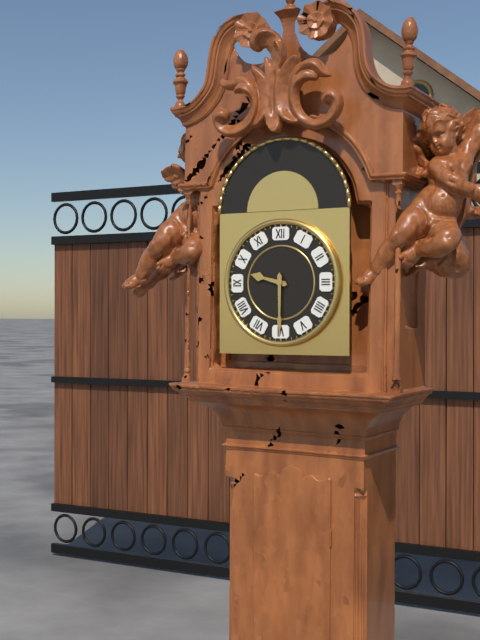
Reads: 9.30
